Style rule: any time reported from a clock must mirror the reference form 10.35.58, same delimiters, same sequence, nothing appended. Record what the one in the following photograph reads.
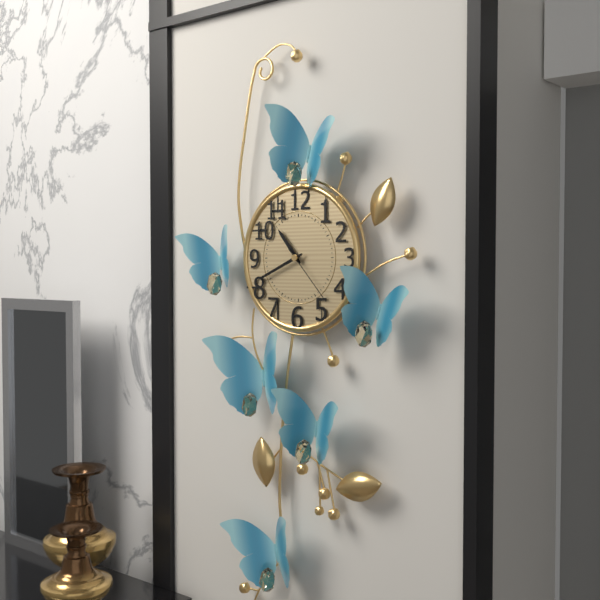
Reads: 10.41.23
